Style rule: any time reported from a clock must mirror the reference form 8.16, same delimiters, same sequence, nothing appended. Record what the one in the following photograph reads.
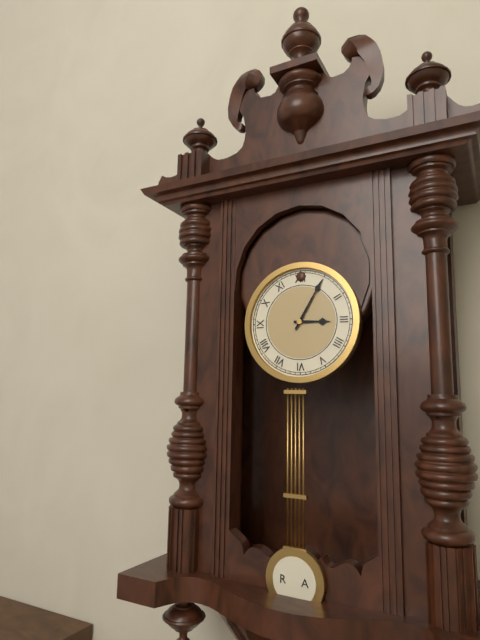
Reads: 3.05
